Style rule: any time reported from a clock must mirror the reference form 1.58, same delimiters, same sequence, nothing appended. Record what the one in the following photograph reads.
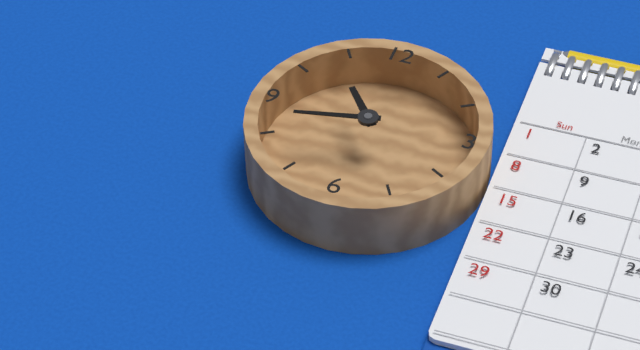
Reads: 10.43
